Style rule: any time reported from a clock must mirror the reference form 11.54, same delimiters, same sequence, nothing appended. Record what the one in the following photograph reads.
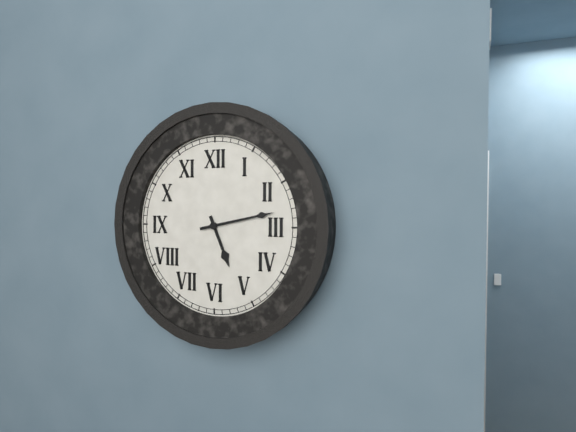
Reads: 5.13
